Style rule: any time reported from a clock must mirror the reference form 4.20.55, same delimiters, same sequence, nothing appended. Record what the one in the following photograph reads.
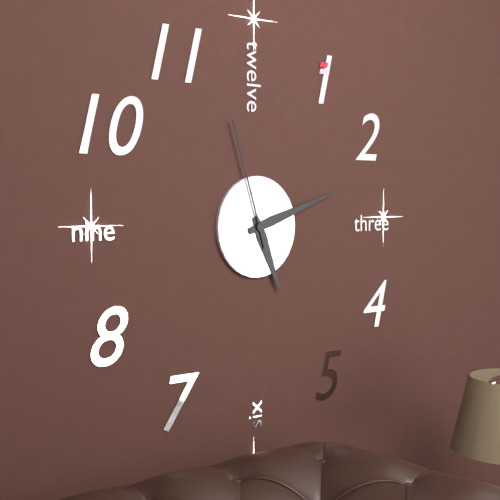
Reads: 5.12.57
